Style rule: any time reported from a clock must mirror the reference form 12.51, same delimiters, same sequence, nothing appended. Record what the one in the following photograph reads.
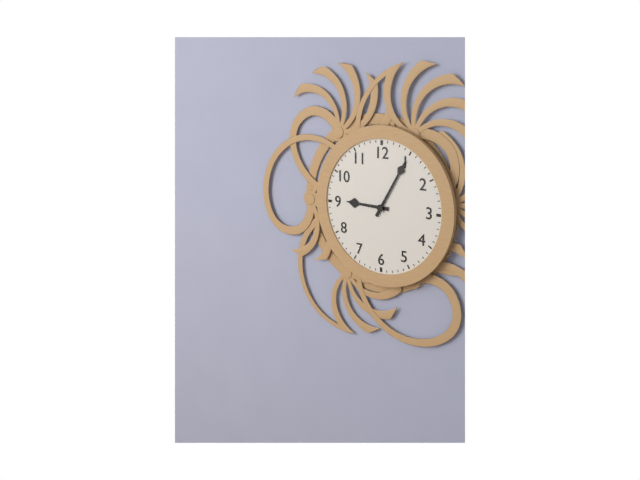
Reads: 9.05
